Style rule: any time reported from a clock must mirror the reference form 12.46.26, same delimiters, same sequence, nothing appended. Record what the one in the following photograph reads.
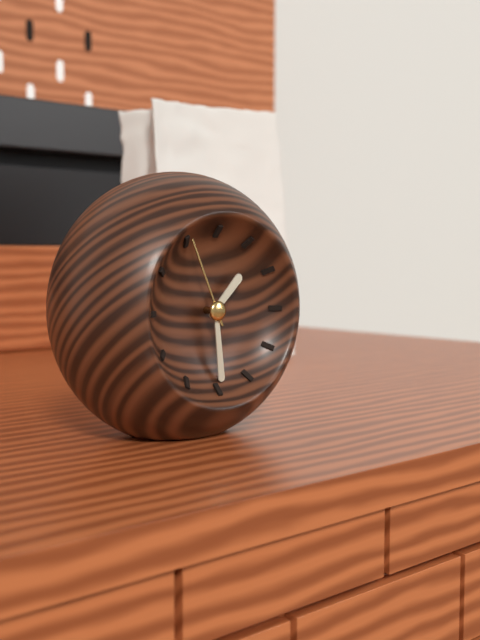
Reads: 1.29.56
